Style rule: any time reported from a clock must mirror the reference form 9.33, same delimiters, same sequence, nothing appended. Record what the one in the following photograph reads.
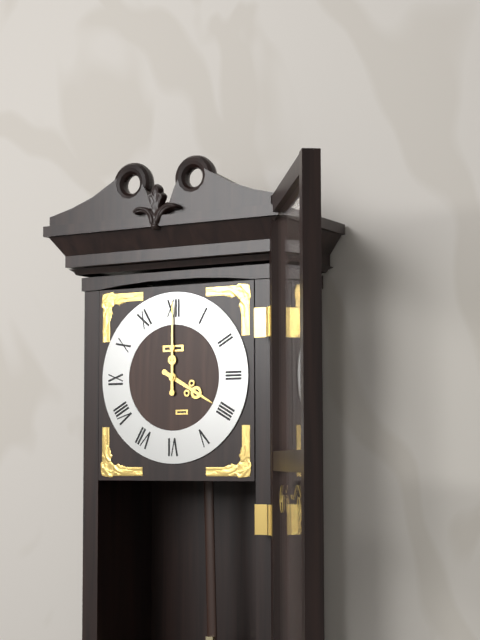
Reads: 4.00
